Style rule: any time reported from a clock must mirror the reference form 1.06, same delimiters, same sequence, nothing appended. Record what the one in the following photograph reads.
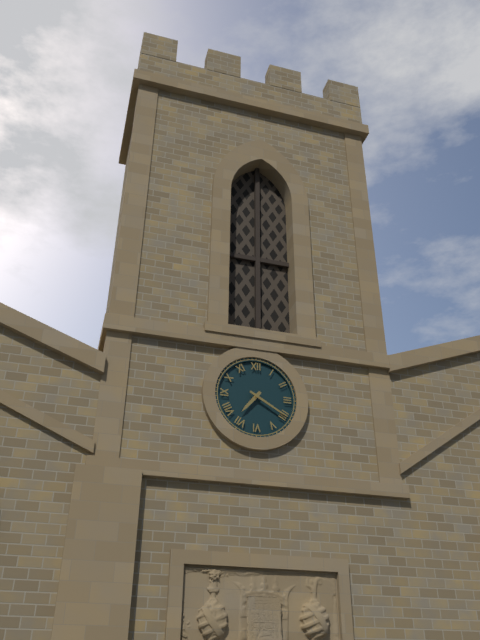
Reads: 7.20
